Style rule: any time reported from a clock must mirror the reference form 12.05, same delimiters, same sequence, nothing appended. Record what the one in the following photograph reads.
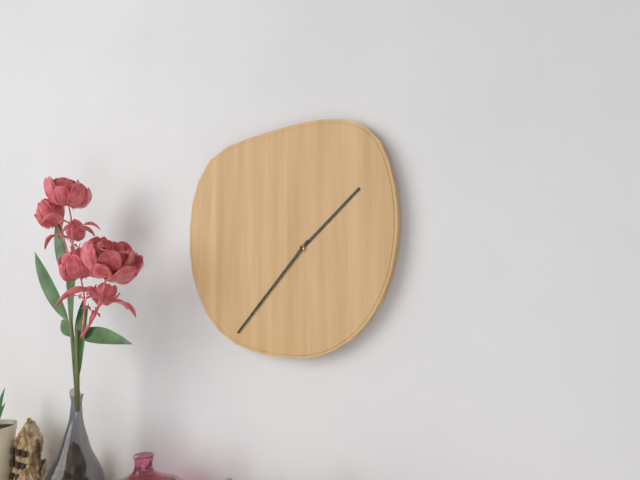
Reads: 1.37
